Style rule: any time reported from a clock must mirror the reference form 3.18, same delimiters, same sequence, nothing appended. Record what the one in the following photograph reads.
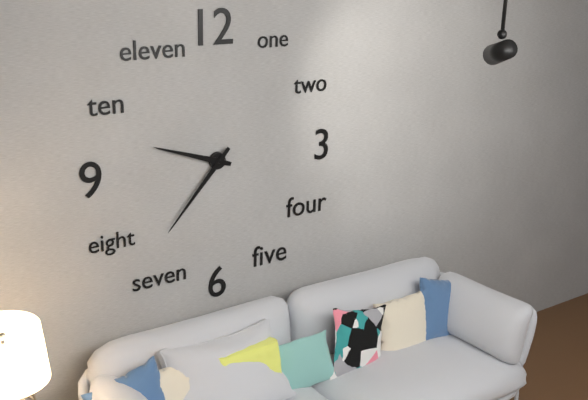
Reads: 9.37
